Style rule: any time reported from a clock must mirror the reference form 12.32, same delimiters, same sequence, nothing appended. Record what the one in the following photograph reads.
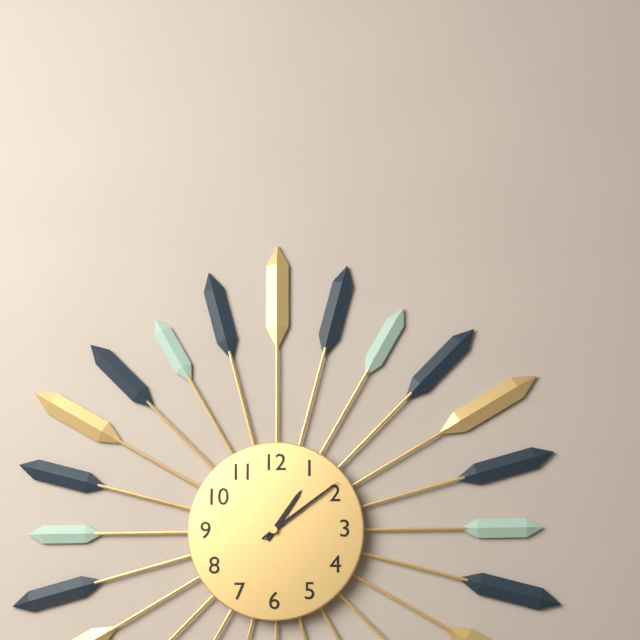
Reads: 1.09
